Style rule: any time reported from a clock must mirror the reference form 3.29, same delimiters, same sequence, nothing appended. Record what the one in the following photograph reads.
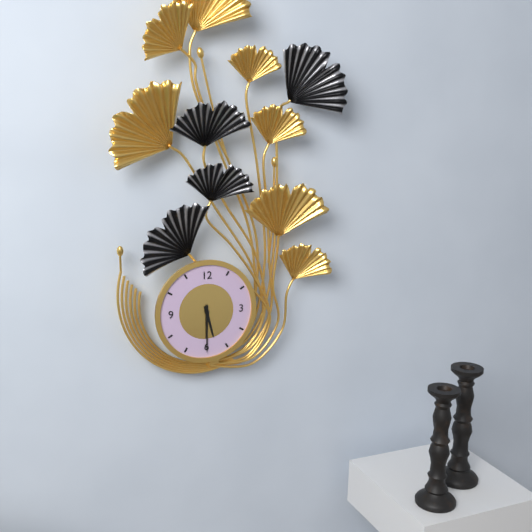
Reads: 5.30
